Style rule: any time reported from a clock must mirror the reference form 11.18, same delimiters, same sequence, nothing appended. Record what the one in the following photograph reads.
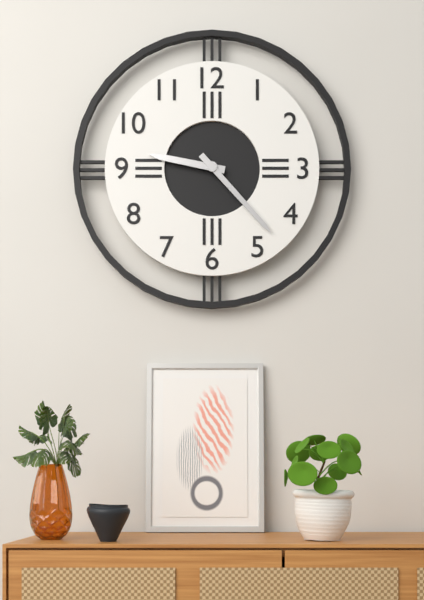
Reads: 9.23
